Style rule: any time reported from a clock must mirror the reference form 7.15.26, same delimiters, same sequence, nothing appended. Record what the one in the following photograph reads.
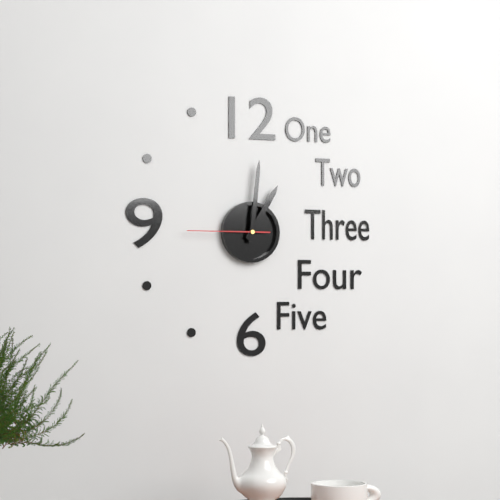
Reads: 1.01.45
